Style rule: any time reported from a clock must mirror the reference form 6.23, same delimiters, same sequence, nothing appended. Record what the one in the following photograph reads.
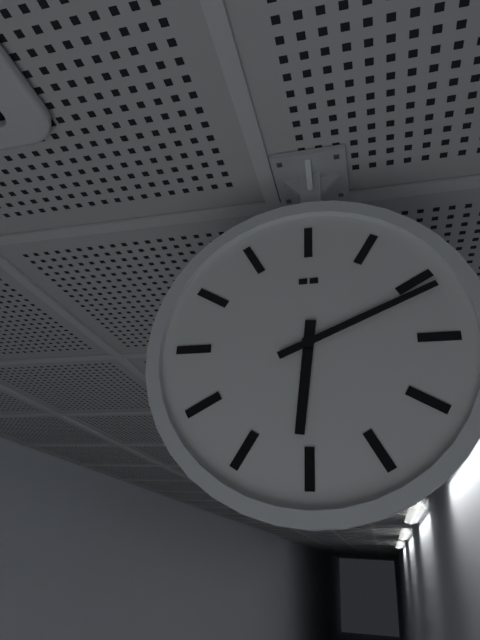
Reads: 6.11
